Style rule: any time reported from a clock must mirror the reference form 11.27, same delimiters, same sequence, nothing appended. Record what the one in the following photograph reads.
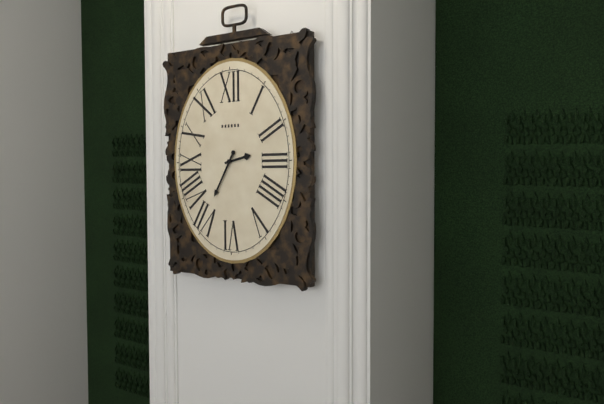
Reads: 2.35
